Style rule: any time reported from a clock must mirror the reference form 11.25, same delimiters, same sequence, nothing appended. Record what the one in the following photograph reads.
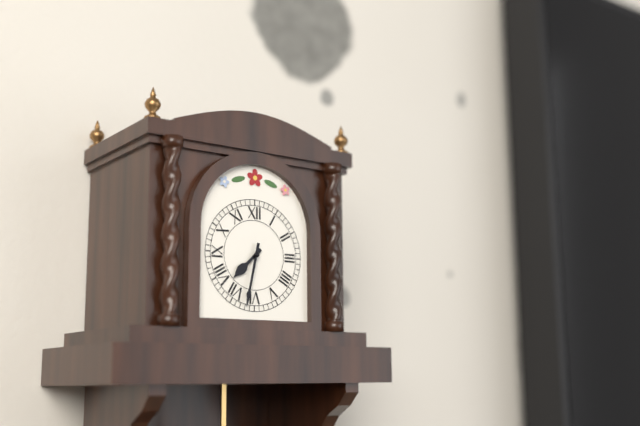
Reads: 7.32
